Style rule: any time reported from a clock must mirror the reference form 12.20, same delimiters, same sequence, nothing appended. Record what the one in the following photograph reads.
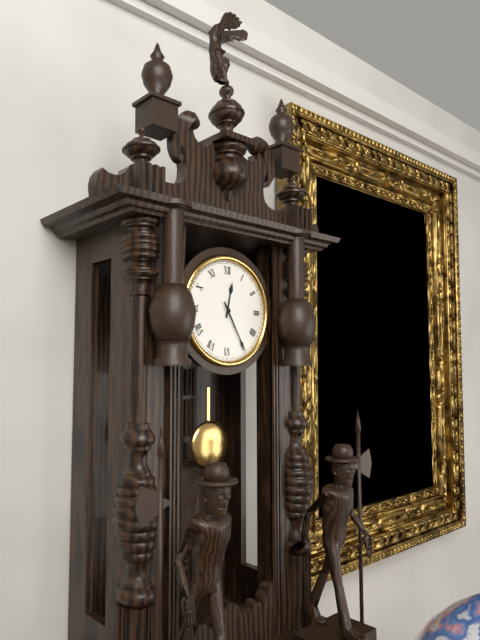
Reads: 12.25
